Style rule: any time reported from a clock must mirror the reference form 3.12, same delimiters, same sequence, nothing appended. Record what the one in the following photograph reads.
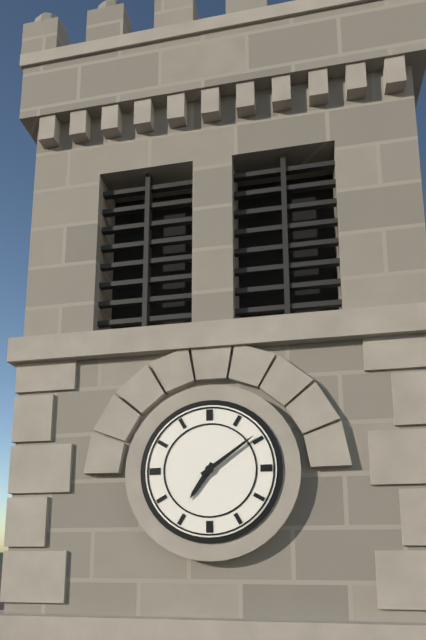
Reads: 7.09
